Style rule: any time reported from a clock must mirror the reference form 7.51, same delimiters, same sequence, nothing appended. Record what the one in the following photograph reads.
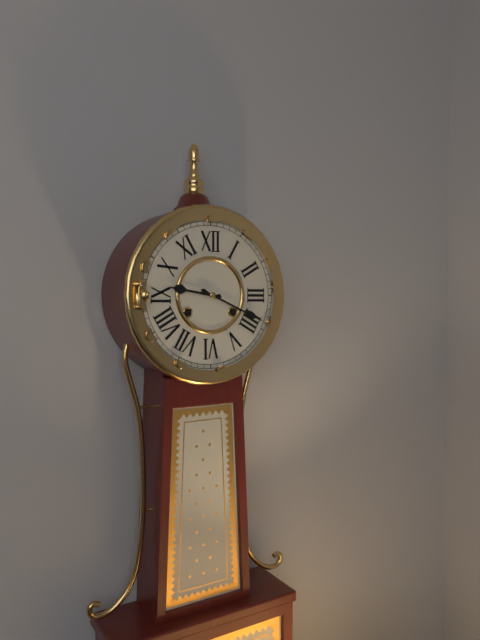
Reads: 9.19
